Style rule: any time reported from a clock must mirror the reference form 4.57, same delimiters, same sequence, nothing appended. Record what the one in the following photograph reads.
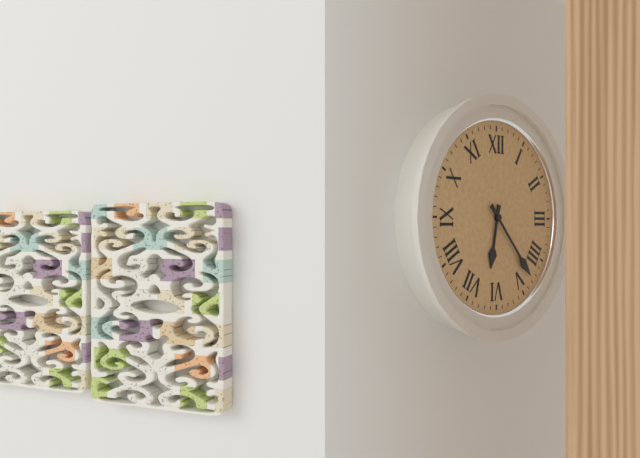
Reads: 6.23
